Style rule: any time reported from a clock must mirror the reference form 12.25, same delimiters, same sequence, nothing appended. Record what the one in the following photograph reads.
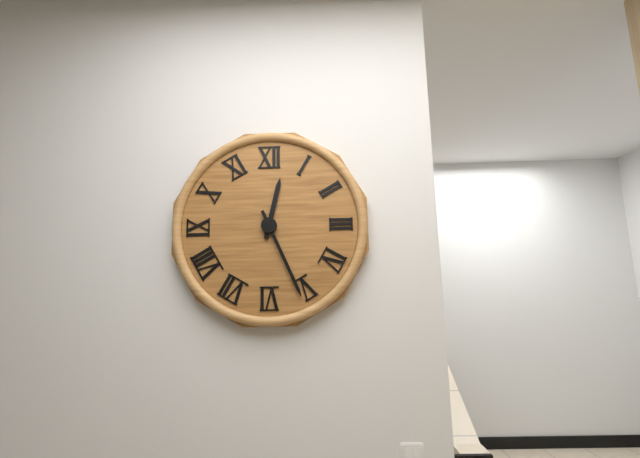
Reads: 12.26
